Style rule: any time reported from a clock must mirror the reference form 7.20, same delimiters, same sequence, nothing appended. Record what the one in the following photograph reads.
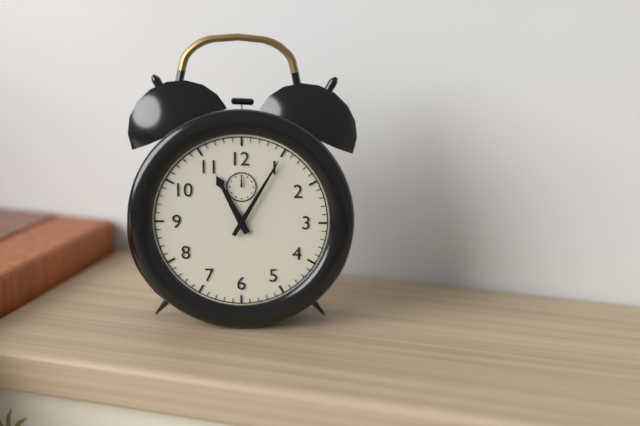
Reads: 11.05
